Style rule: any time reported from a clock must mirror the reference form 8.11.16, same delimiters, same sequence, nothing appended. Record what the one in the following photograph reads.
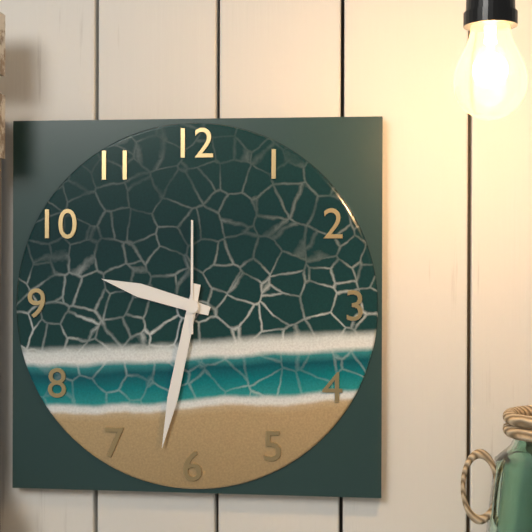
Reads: 9.32.00
